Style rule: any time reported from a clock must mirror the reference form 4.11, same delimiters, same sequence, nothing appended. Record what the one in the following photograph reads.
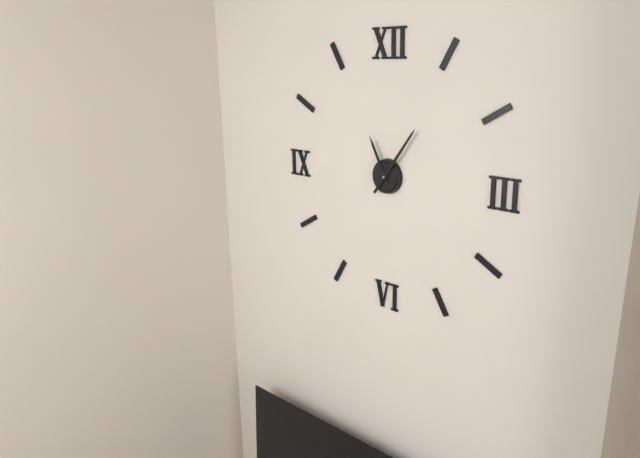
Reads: 11.06
